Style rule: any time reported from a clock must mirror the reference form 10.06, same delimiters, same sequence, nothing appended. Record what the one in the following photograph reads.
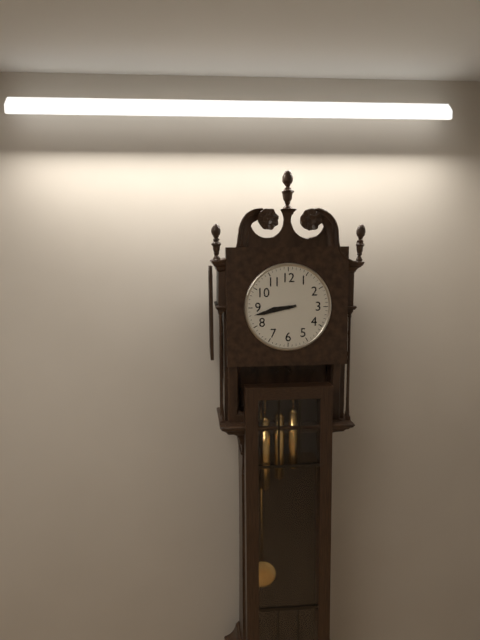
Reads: 8.43
